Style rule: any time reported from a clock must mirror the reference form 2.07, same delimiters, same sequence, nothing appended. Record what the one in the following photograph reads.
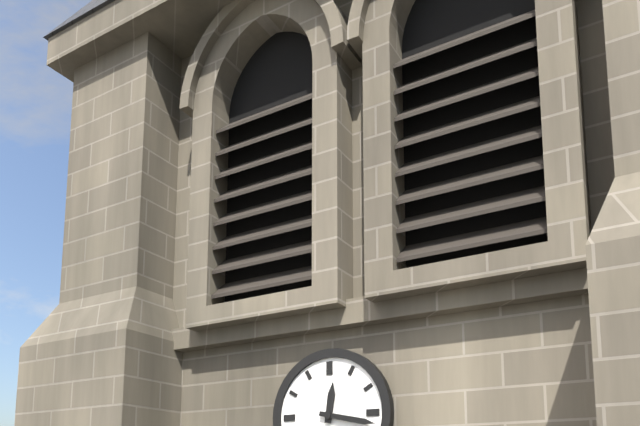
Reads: 12.17
